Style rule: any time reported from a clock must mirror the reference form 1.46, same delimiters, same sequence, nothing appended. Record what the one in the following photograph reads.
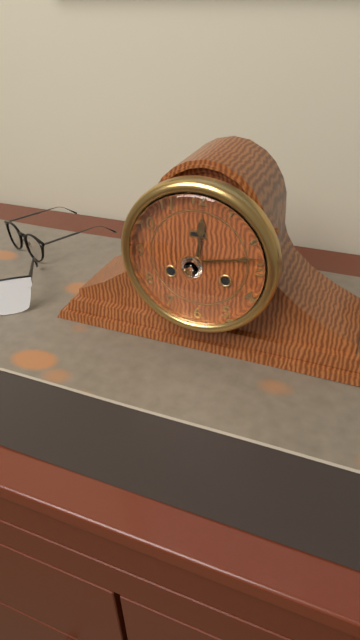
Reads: 12.13
